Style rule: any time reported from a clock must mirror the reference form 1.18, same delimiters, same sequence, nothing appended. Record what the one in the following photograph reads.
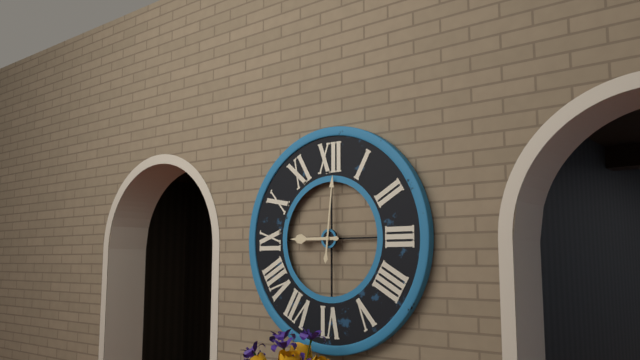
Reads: 9.01
